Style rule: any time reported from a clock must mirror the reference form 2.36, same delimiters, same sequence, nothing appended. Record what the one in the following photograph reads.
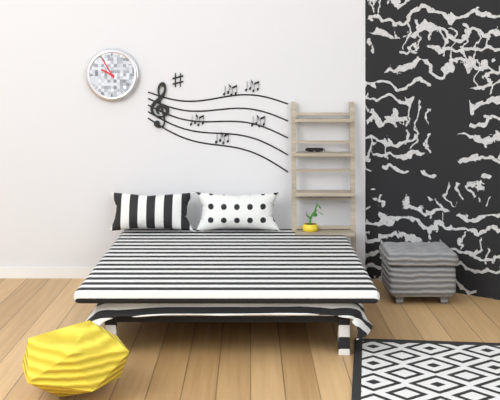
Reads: 9.55
